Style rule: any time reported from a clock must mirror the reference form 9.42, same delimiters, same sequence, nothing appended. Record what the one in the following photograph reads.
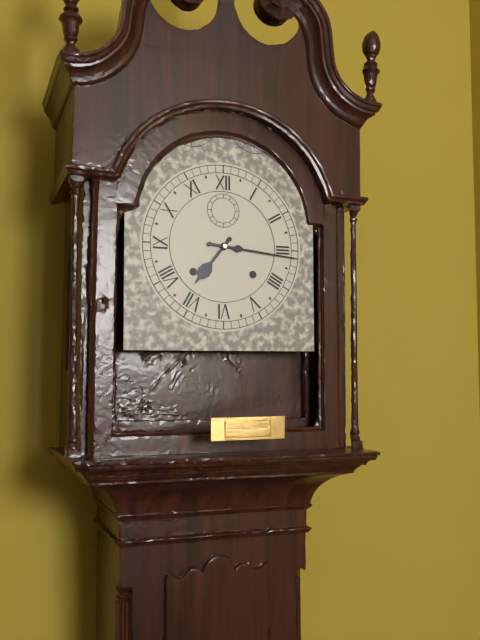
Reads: 7.16
